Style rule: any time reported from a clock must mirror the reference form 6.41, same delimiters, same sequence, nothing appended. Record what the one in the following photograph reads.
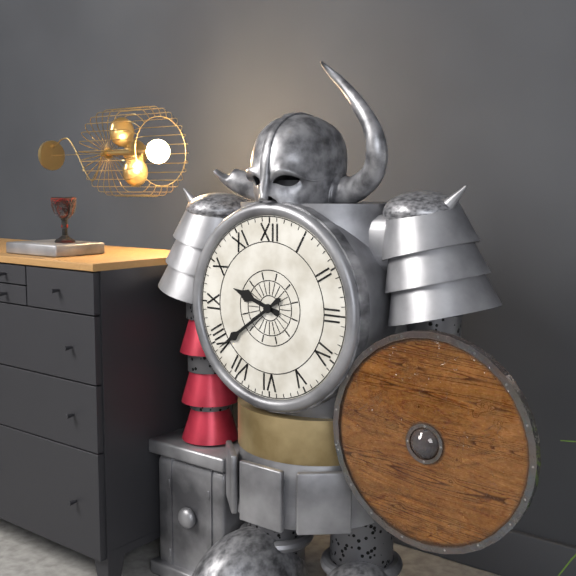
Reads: 9.39
